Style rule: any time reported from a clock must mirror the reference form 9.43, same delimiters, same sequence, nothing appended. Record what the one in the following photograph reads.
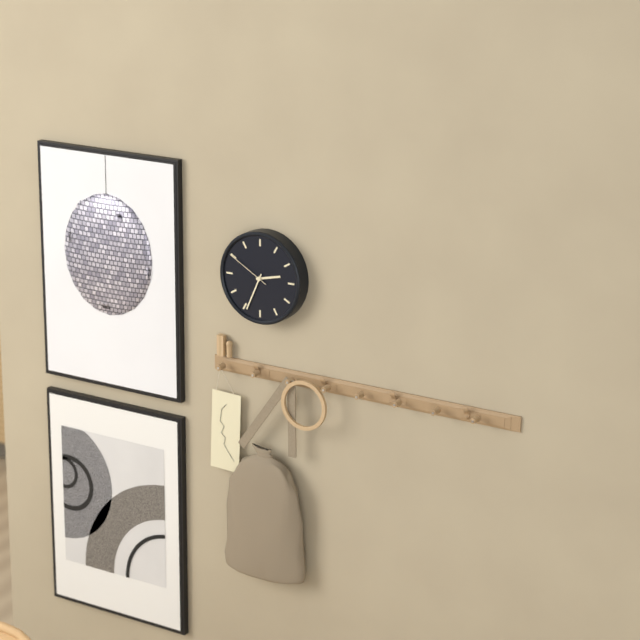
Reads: 2.34
